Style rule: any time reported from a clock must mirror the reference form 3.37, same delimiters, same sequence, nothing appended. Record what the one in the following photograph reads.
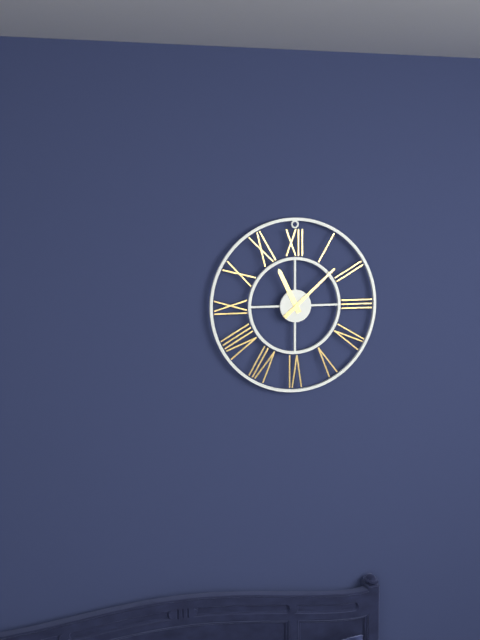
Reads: 11.08
